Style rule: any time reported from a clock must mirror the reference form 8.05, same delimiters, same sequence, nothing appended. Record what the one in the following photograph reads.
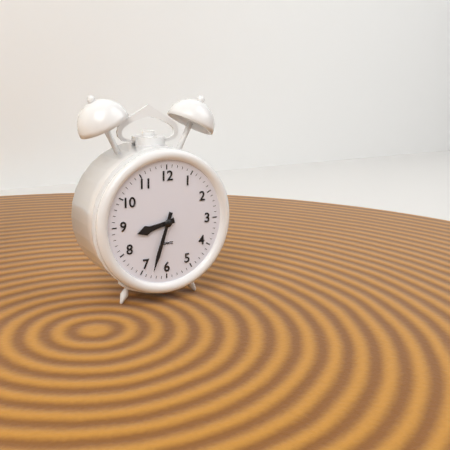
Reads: 8.33
